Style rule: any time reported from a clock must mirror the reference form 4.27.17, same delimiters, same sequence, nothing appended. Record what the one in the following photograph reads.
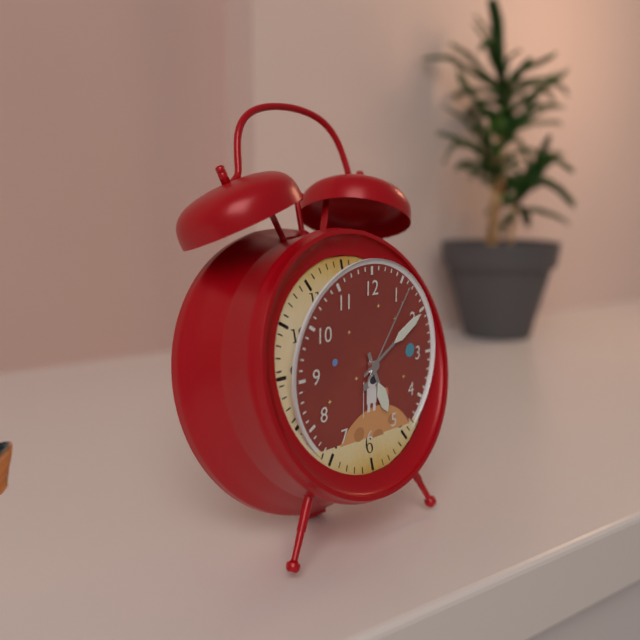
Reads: 5.10.06
